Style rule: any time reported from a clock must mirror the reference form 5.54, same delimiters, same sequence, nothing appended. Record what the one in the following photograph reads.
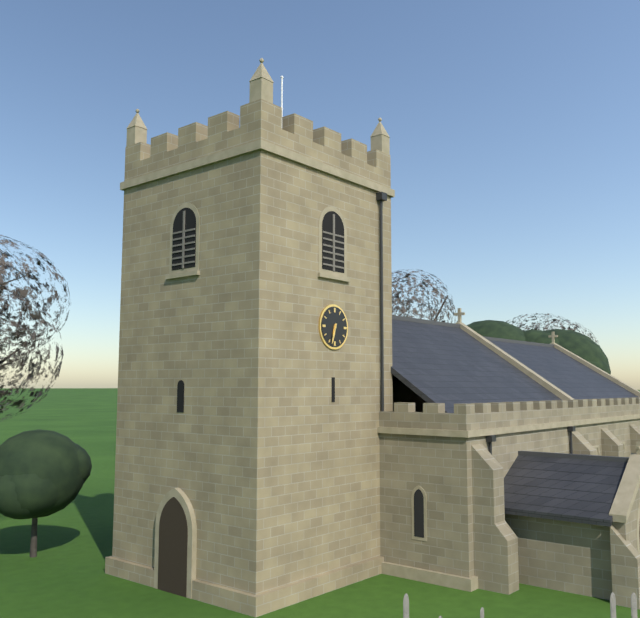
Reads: 6.33
